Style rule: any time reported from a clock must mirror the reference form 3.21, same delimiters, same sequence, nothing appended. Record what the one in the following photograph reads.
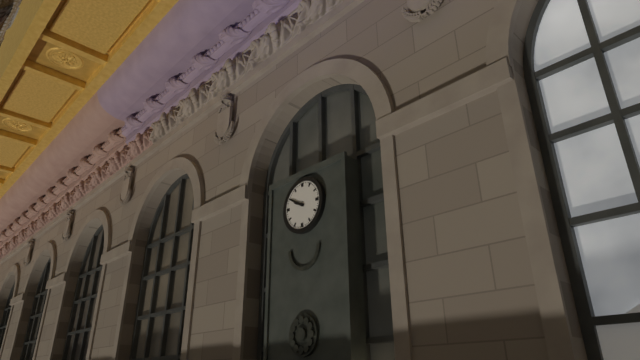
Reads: 9.50
